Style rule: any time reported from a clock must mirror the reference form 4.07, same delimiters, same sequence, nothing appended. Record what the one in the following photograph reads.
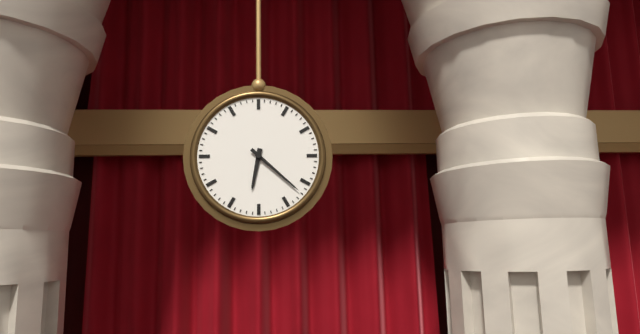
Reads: 6.22
